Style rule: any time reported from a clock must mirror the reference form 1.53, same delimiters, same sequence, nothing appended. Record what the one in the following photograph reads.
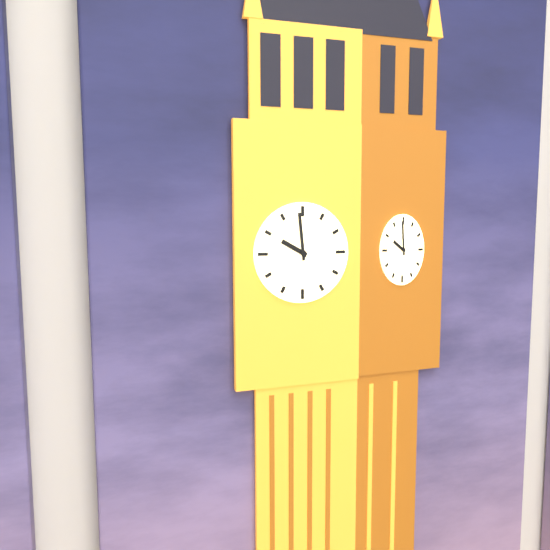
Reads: 9.59
